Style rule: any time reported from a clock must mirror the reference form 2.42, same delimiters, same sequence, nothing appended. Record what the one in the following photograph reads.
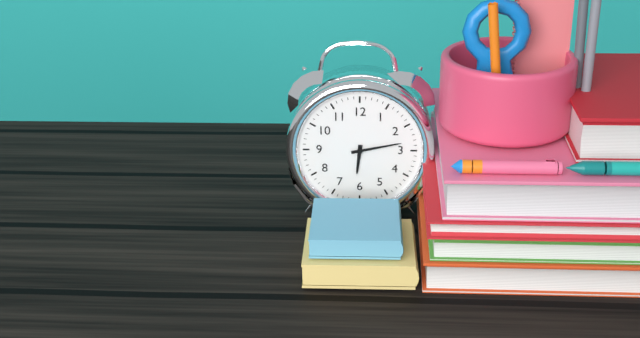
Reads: 6.13
